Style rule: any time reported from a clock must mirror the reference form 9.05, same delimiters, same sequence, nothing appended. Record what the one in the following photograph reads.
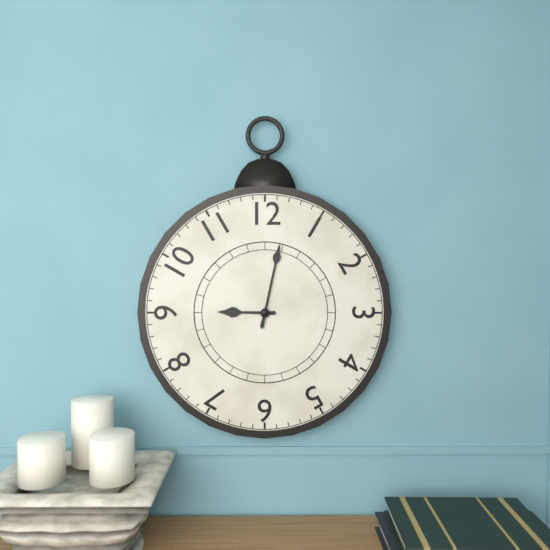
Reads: 9.02
